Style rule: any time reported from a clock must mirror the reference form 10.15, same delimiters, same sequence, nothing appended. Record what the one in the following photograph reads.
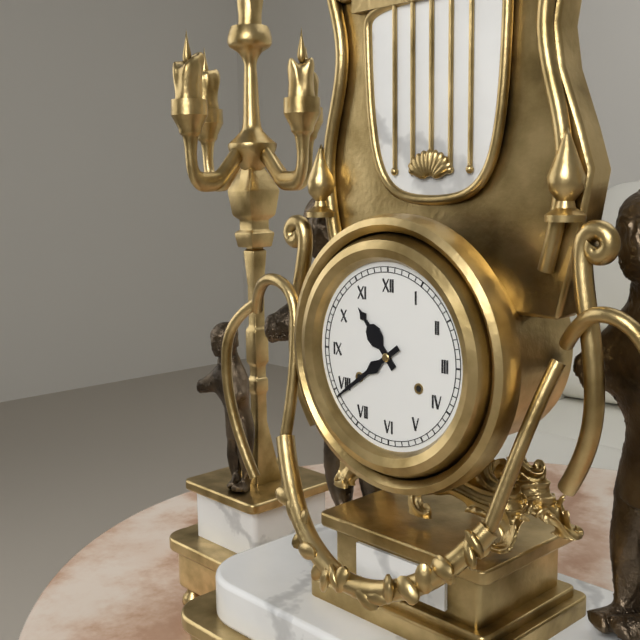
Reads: 10.39
